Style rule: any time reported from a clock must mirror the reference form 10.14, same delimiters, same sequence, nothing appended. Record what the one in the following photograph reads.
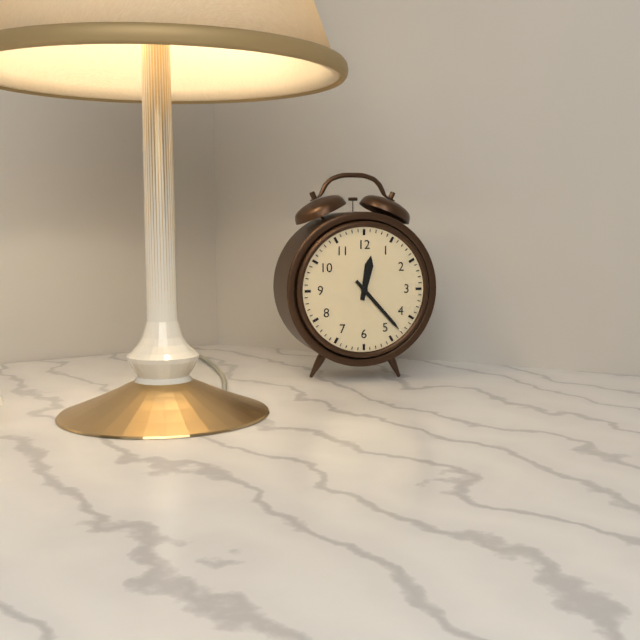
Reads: 12.23
